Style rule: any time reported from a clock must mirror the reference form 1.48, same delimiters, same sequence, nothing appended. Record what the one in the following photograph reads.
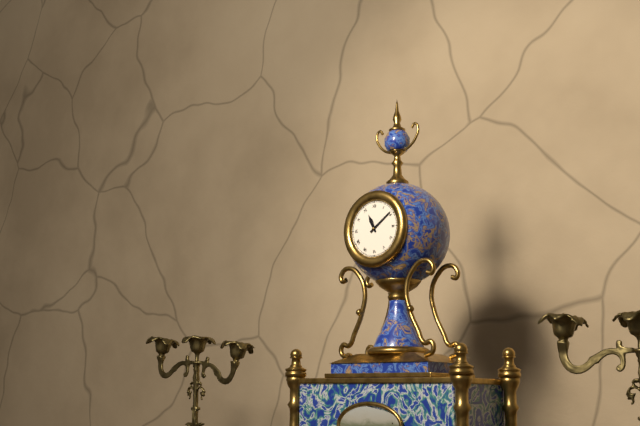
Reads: 11.09
